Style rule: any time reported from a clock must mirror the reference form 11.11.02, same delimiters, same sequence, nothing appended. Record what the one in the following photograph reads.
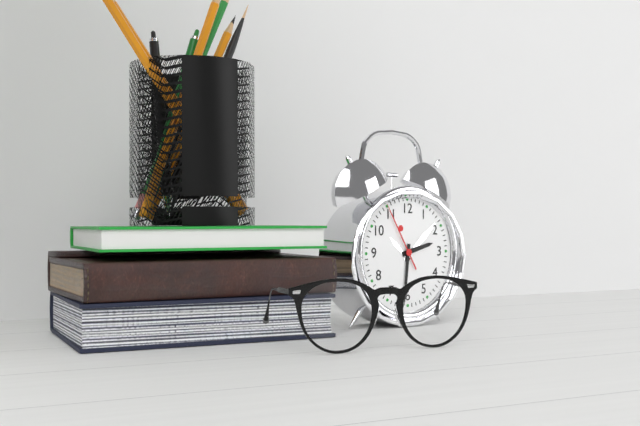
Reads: 2.31.55
